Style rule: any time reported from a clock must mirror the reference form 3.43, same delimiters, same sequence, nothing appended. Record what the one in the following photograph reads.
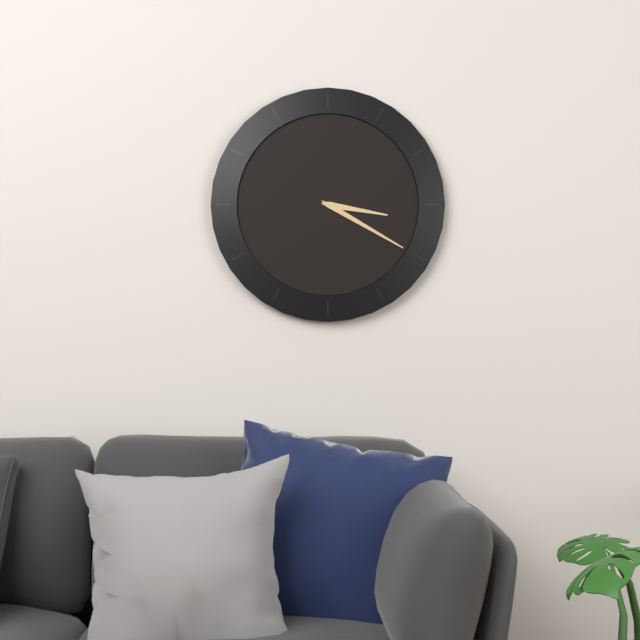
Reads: 3.20
